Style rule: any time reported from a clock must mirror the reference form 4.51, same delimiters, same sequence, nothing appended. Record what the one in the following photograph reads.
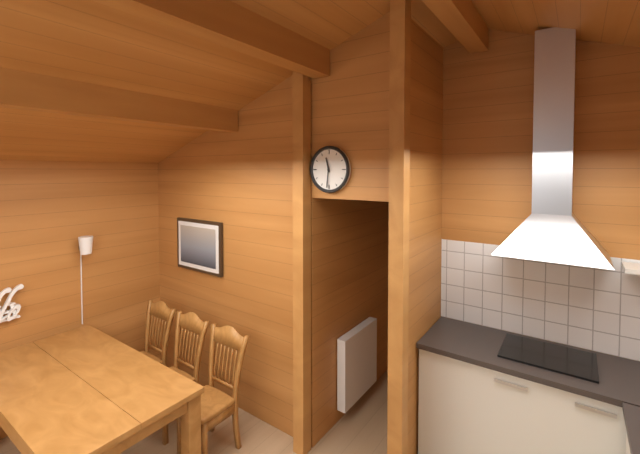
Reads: 11.31
